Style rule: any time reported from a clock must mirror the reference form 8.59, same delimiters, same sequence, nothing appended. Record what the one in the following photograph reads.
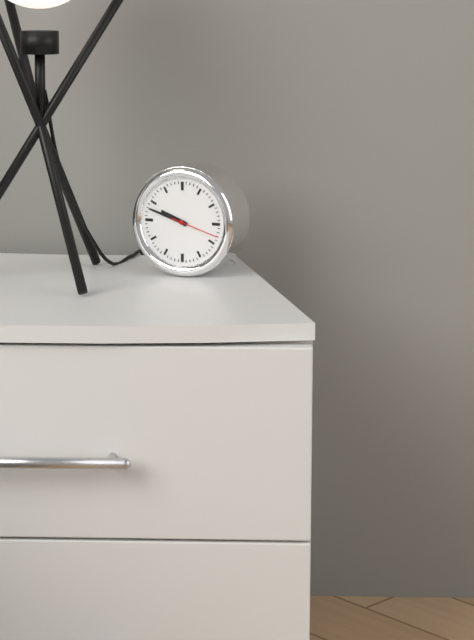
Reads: 9.48
